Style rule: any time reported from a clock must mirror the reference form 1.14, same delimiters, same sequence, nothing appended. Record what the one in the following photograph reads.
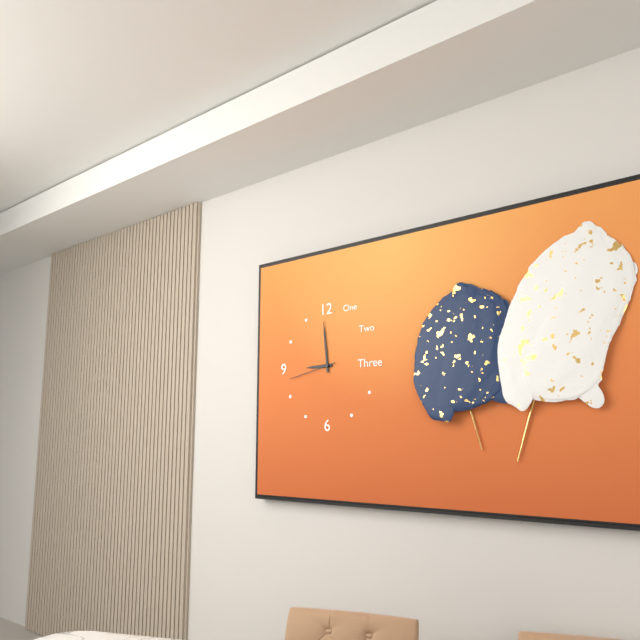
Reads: 8.59
